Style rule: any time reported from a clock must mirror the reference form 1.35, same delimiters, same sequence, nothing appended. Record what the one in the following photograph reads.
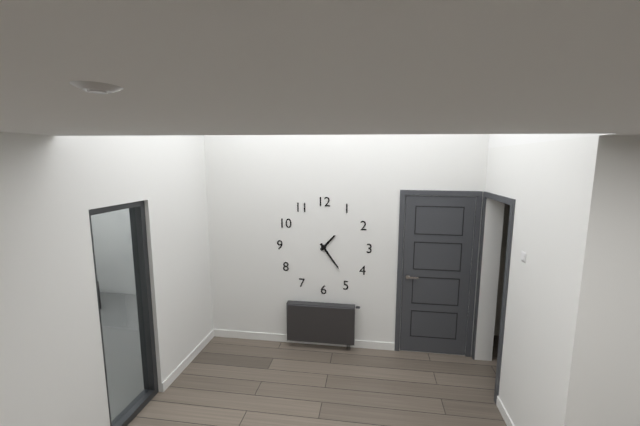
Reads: 1.24
